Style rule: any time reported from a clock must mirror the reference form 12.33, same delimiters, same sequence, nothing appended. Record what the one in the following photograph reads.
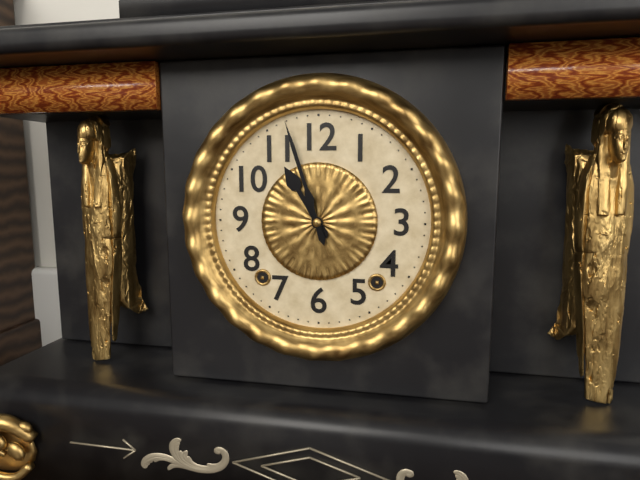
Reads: 10.57
